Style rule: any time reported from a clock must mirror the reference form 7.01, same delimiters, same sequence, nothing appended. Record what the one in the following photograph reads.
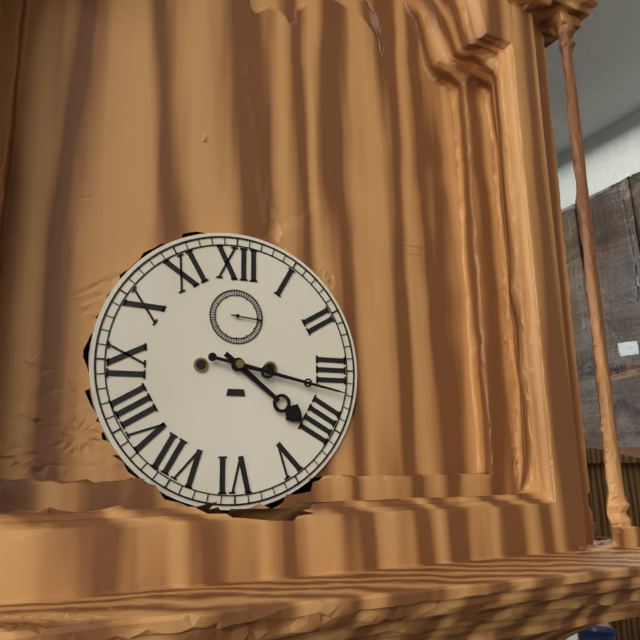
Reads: 4.17
